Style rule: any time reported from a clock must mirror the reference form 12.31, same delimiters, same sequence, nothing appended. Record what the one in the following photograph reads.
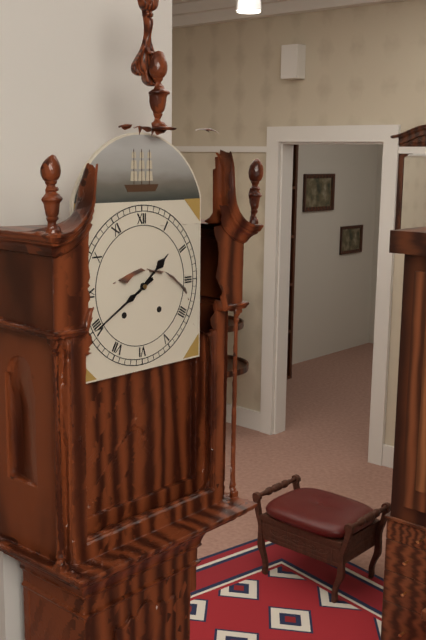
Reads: 1.40
